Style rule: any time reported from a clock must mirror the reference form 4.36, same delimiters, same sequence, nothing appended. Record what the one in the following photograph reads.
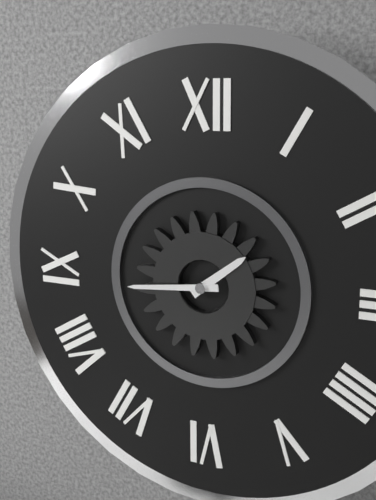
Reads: 1.44
